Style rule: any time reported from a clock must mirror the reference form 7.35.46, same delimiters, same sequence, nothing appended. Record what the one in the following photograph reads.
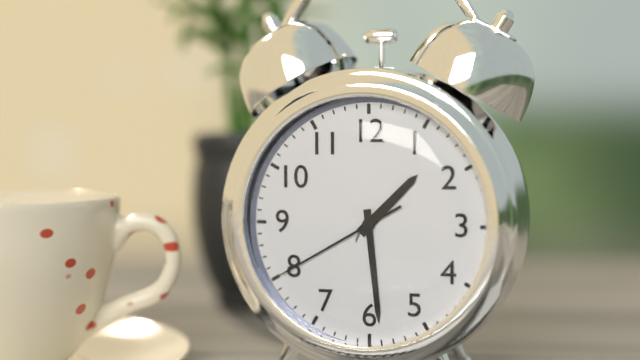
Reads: 1.29.40
